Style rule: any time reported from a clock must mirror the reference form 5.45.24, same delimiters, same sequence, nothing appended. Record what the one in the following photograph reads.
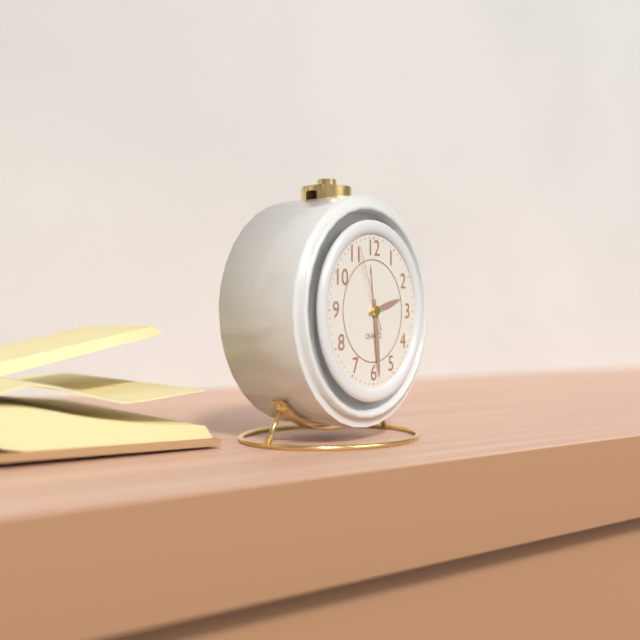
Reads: 2.29.56
